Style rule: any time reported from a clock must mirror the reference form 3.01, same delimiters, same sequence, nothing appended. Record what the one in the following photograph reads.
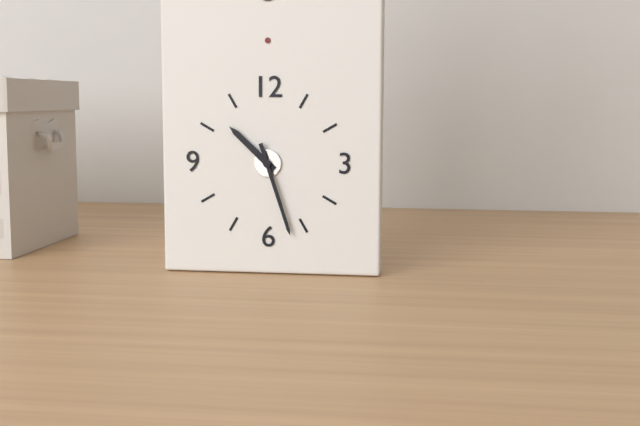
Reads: 10.27
